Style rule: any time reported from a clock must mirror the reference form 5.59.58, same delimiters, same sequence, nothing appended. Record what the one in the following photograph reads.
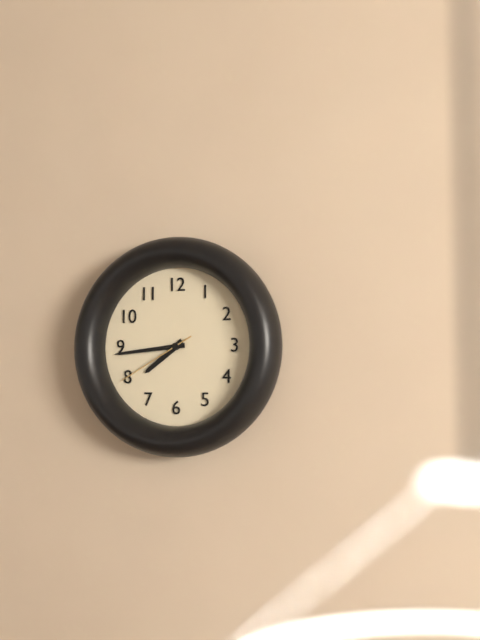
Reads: 7.44.40
